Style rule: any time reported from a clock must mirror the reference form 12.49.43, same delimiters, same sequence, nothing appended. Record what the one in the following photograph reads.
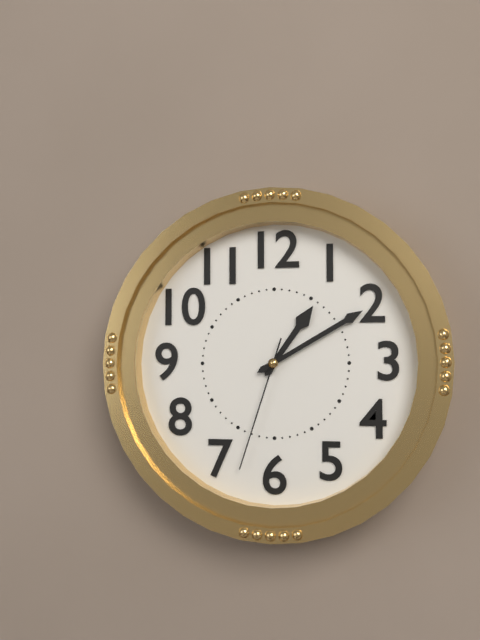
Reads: 1.10.33
